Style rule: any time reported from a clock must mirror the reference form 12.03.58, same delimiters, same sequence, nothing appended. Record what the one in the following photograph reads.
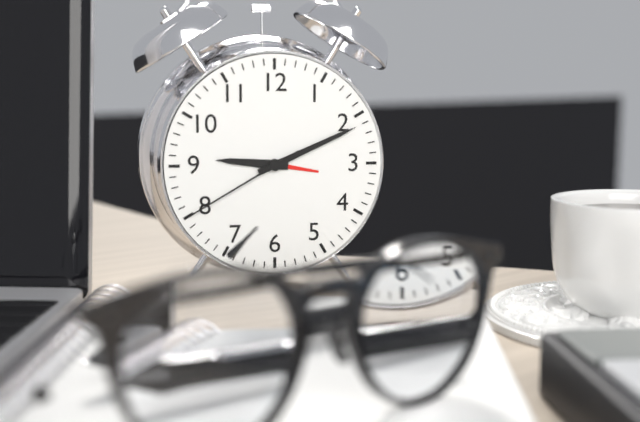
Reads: 9.11.40
